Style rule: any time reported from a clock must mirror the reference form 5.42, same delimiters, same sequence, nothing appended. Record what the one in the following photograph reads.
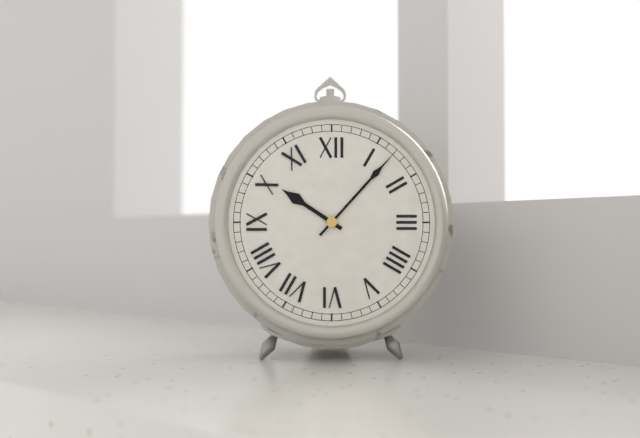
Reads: 10.07
